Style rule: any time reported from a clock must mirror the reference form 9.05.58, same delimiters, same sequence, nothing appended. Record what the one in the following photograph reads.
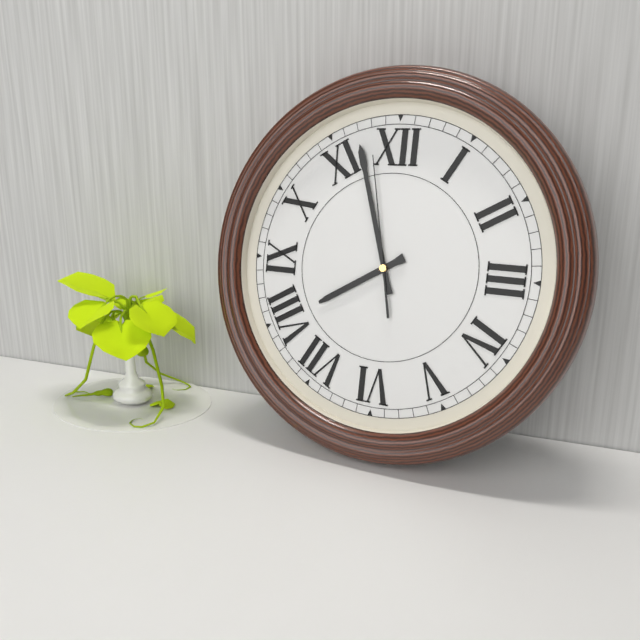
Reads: 7.57.58
